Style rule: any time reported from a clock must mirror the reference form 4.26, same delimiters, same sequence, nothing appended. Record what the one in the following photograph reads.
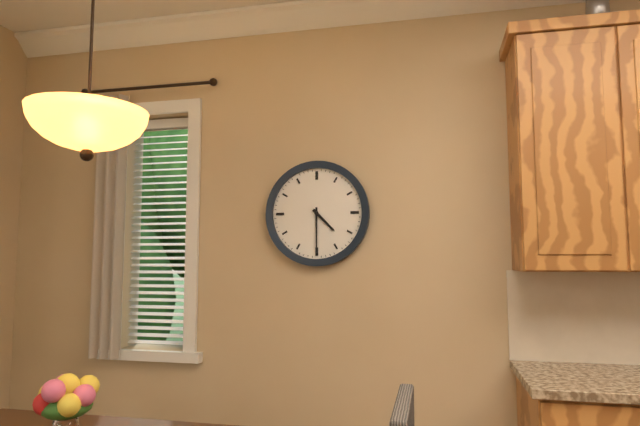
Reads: 4.30
